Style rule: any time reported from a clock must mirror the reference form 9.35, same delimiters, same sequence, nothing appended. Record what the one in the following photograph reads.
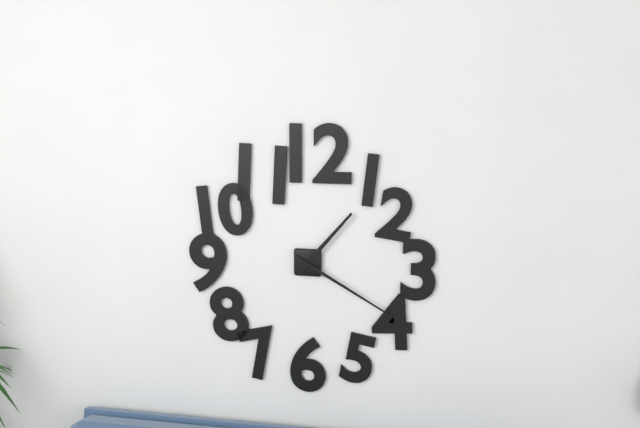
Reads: 1.20
